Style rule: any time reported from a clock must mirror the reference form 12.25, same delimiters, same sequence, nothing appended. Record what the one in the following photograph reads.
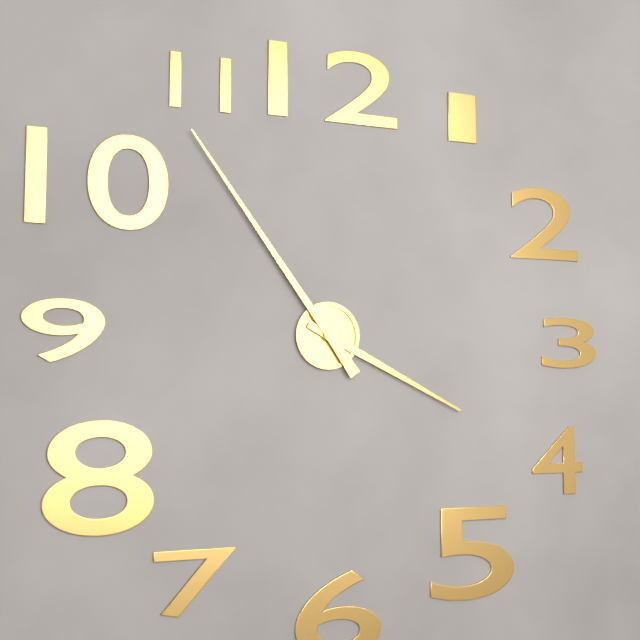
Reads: 3.54
